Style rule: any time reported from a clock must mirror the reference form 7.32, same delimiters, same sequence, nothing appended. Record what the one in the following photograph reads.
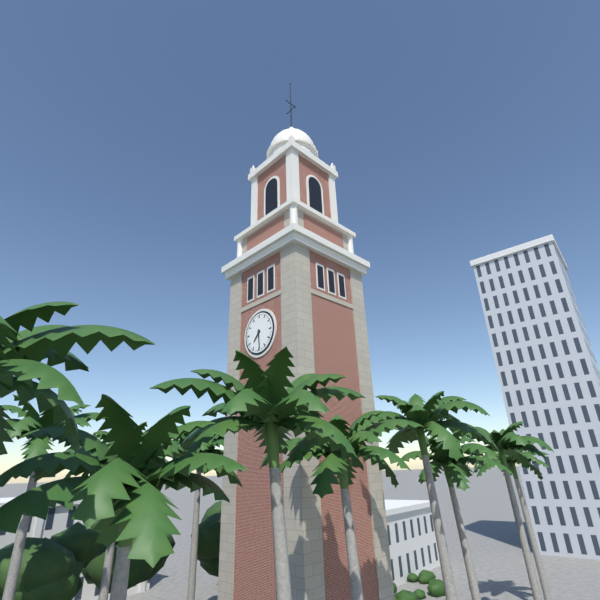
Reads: 7.29
